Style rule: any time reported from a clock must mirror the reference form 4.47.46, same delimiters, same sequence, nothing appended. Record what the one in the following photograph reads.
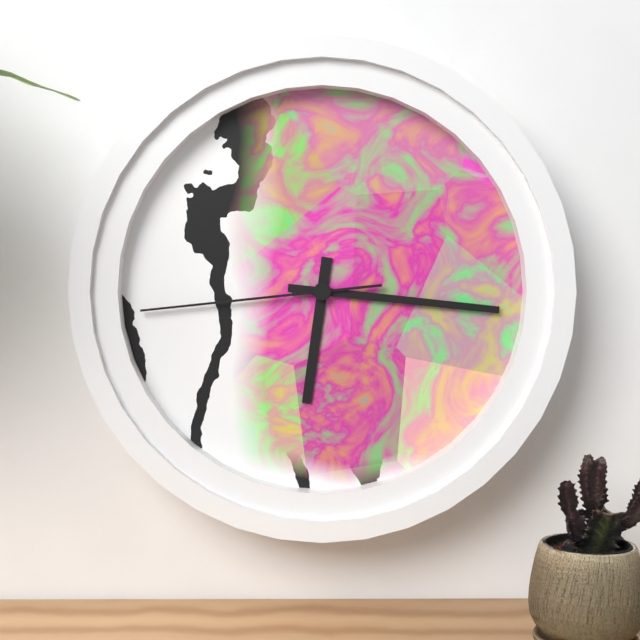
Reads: 6.16.44
